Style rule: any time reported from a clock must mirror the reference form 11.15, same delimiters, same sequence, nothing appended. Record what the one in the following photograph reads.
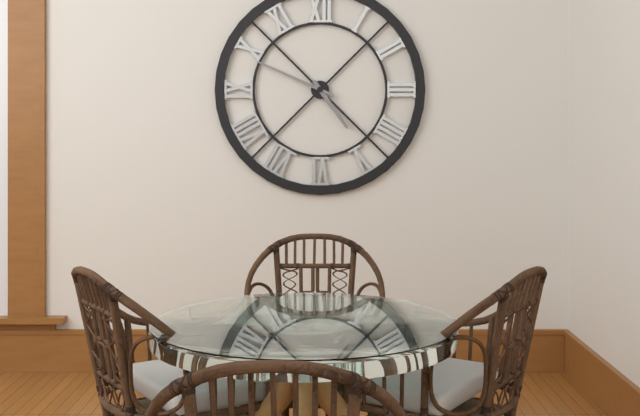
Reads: 4.49
